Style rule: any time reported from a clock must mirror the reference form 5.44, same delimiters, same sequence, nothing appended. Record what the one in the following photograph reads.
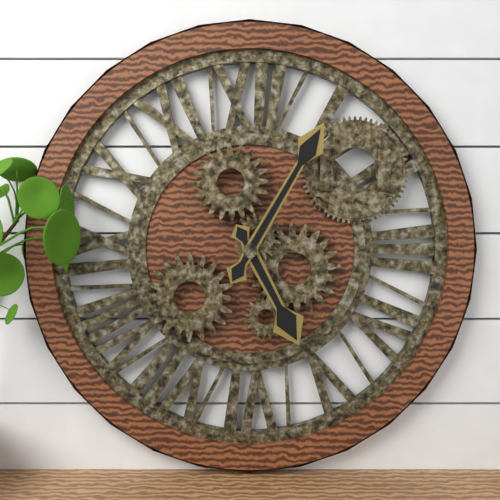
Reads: 5.05
